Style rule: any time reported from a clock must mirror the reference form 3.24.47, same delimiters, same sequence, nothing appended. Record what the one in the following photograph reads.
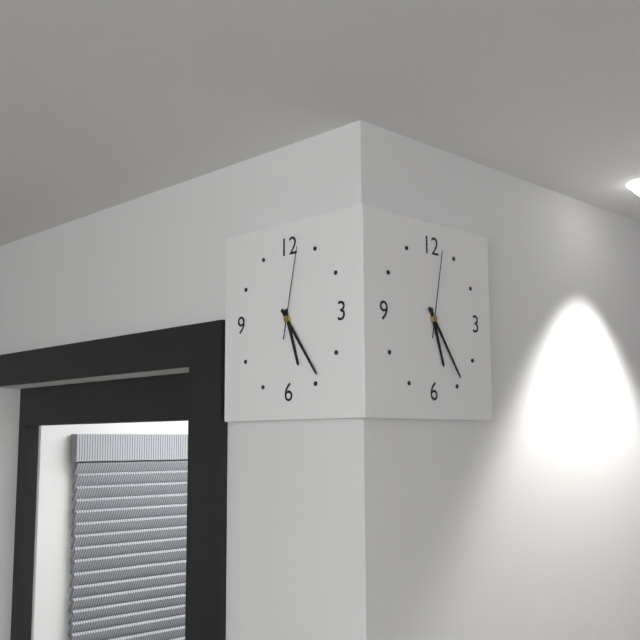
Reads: 5.24.02
